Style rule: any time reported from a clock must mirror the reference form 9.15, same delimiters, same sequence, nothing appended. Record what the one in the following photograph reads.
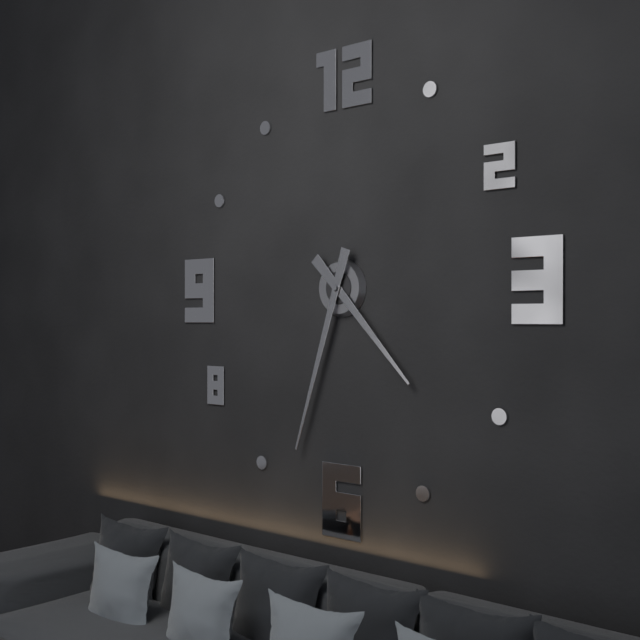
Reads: 4.33
